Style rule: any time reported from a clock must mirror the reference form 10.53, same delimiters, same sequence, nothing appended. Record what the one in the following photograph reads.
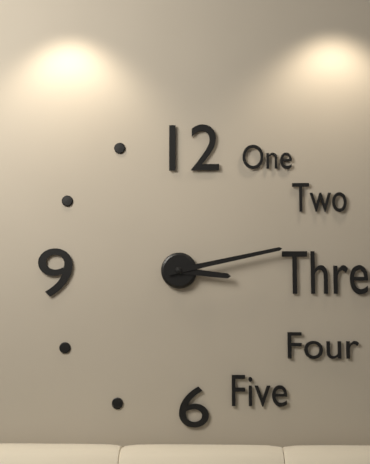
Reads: 3.13
